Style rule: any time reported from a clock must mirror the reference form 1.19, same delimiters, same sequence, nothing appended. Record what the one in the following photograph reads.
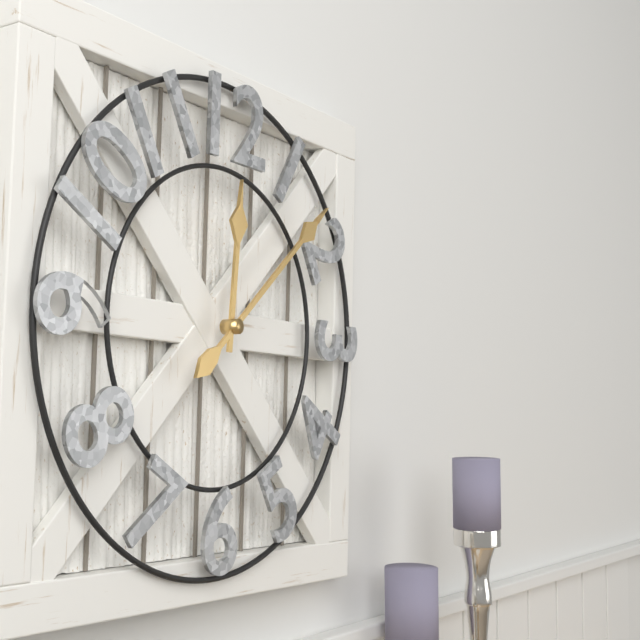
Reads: 12.08
